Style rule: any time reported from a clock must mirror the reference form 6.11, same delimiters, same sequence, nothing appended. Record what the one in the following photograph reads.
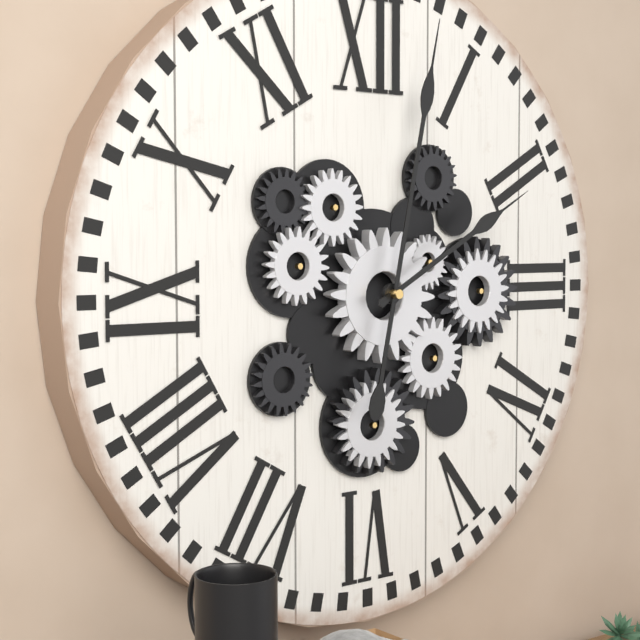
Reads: 2.02
